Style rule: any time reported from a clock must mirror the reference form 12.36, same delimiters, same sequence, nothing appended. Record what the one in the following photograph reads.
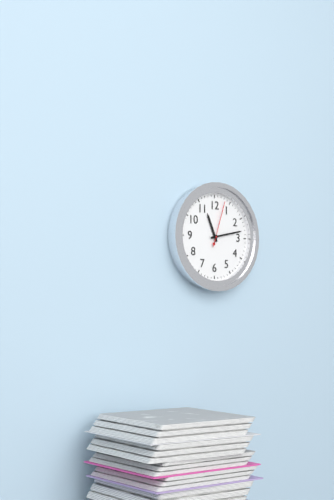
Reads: 11.13
